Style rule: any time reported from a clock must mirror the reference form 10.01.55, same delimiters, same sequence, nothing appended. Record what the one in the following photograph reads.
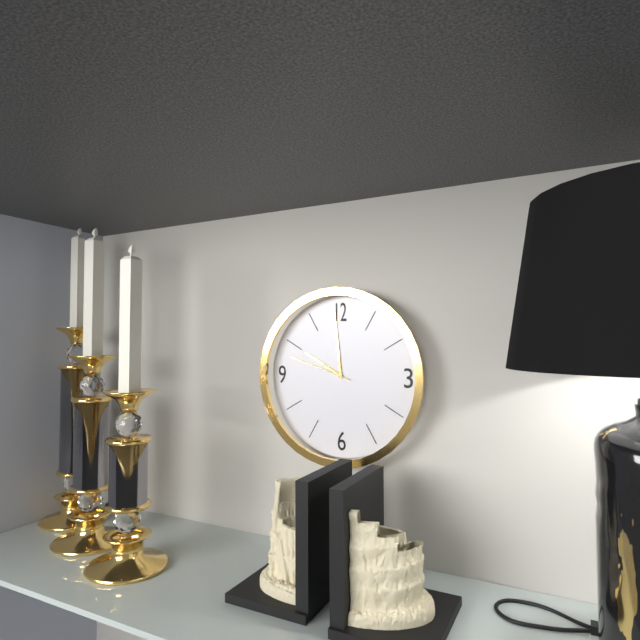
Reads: 9.59.48
